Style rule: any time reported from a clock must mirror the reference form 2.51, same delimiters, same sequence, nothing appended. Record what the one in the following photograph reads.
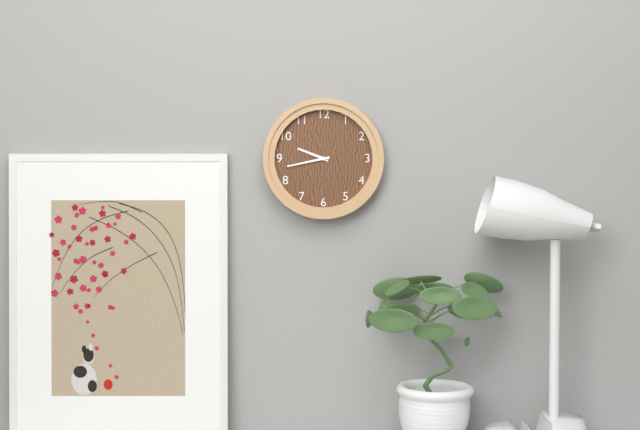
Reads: 9.43
